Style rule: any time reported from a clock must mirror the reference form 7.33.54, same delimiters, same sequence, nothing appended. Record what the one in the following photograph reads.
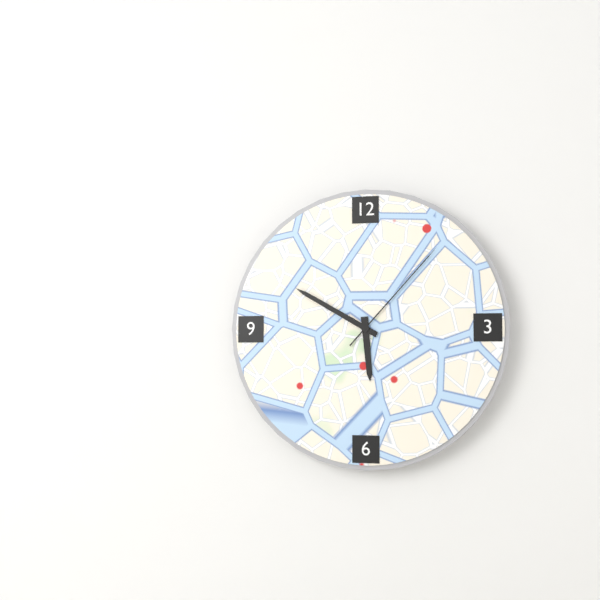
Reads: 5.50.07
